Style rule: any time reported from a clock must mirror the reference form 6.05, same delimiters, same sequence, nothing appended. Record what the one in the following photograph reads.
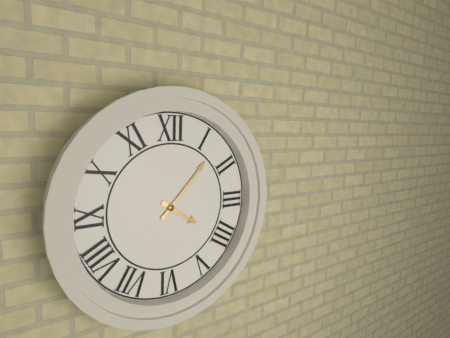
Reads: 4.07
